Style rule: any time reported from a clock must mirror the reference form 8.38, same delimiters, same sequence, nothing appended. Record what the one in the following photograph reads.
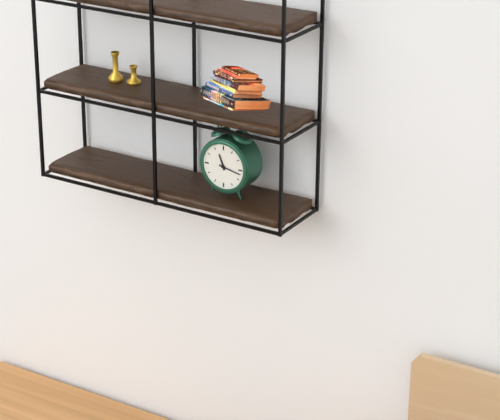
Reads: 11.17
